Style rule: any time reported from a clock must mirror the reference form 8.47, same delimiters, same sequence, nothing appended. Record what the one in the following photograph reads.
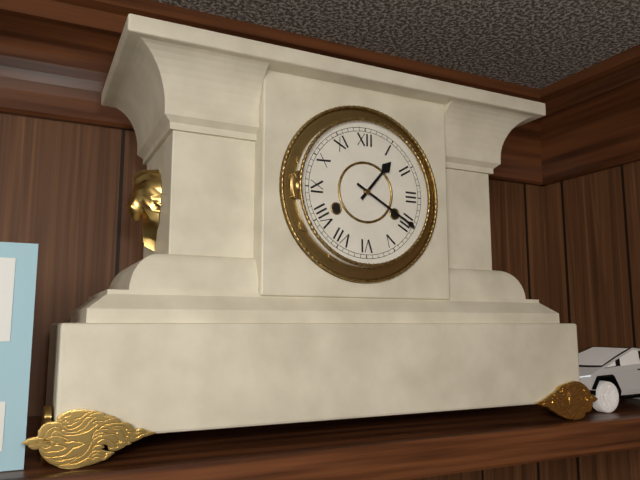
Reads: 1.20
